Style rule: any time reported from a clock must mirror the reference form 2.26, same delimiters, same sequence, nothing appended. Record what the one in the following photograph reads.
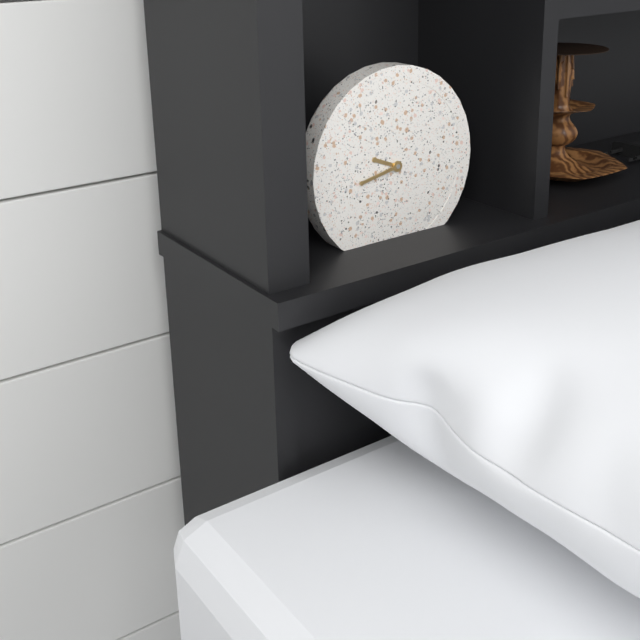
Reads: 9.43
